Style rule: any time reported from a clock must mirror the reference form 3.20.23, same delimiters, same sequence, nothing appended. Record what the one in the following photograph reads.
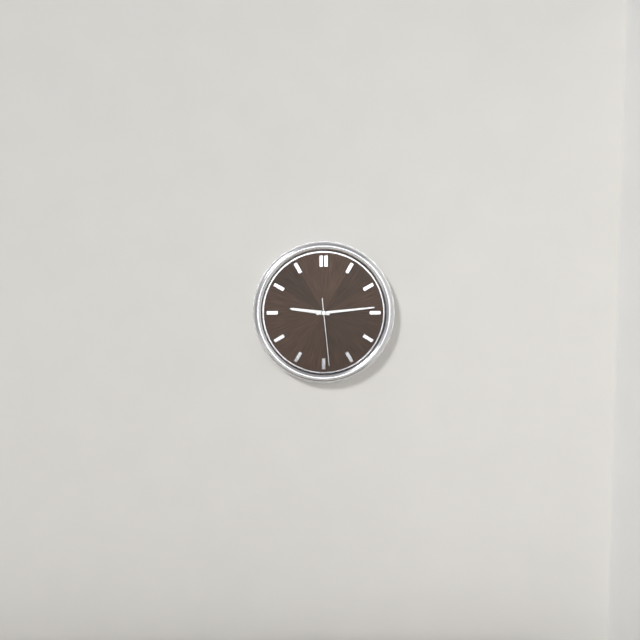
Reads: 9.14.29
